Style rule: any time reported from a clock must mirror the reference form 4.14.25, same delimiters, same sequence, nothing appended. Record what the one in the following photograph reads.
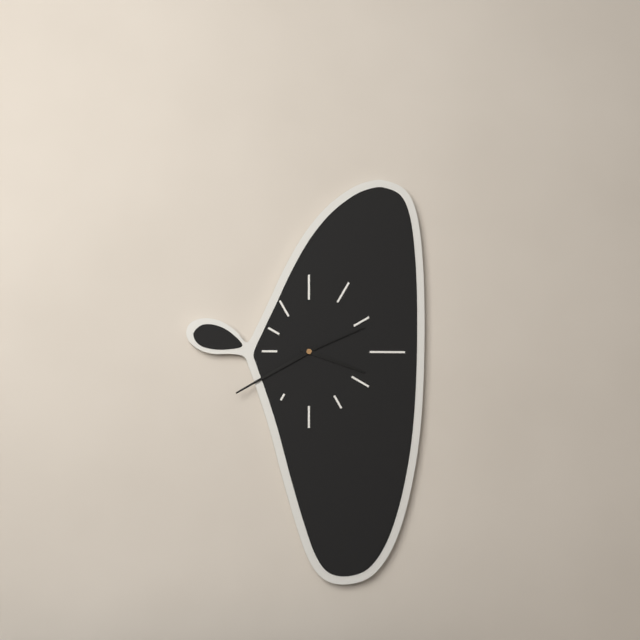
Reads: 3.40.11
